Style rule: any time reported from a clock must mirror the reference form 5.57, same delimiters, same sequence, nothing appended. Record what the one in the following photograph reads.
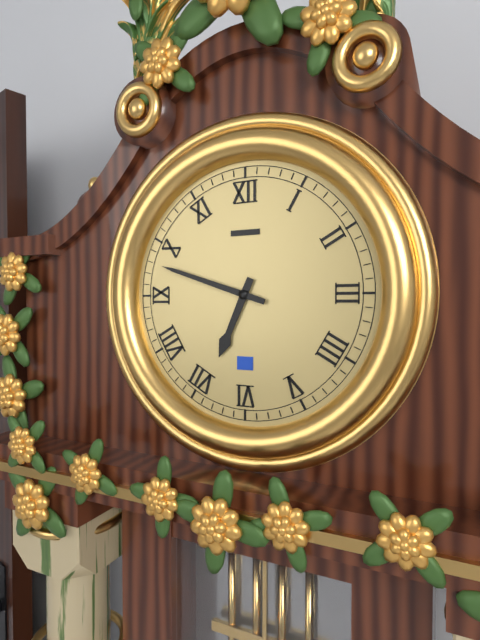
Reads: 6.48
